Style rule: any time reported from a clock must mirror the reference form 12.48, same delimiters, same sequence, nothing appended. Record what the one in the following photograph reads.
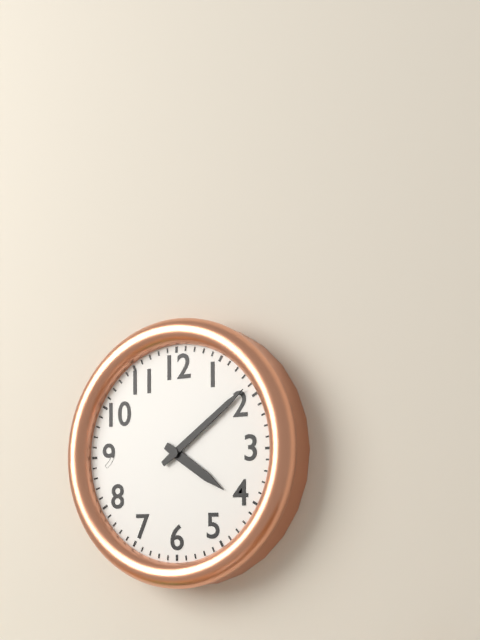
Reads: 4.09
